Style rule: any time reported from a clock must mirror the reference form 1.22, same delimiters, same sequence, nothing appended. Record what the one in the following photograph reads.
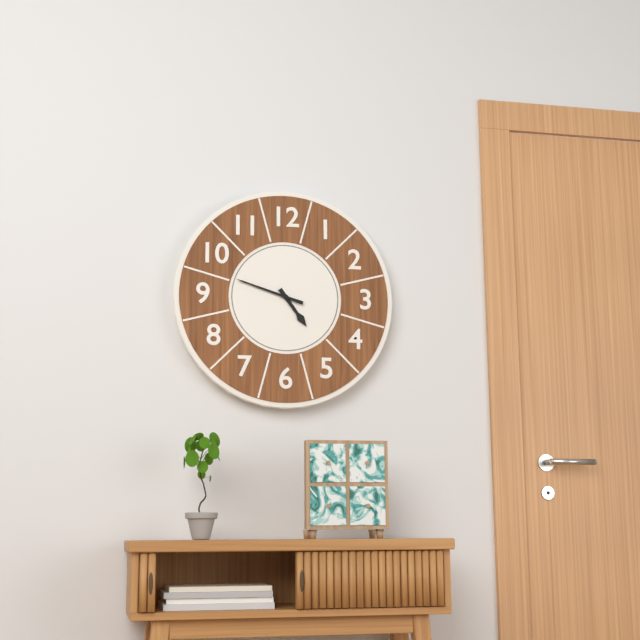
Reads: 4.48
